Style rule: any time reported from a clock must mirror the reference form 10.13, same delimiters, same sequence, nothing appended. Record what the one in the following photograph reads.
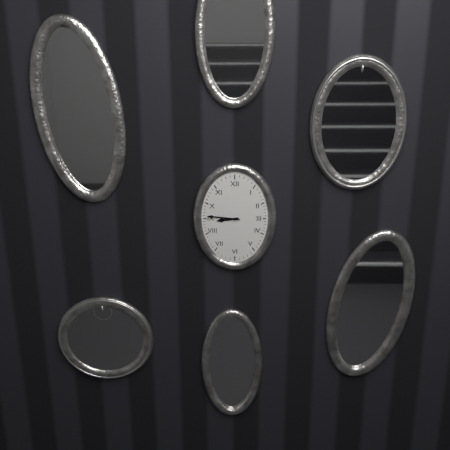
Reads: 8.46
